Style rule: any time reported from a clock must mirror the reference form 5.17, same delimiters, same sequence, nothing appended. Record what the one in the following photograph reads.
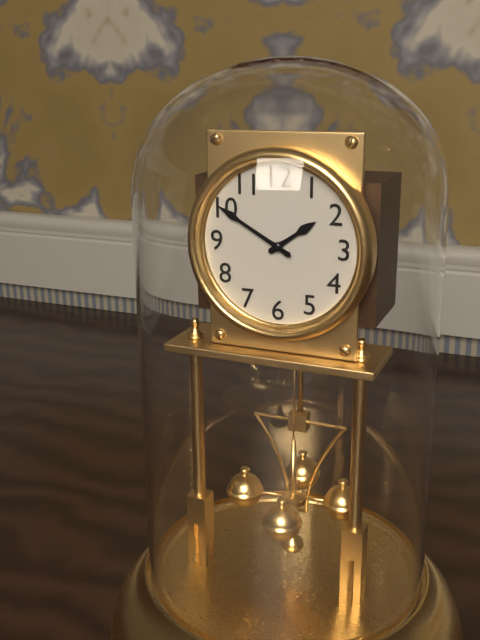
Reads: 1.50
